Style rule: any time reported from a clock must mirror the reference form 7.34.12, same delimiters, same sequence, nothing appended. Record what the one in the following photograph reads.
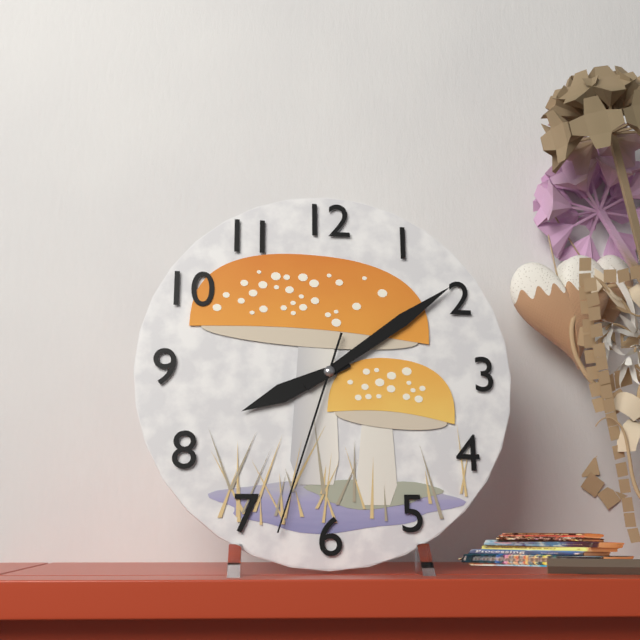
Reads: 8.09.33
